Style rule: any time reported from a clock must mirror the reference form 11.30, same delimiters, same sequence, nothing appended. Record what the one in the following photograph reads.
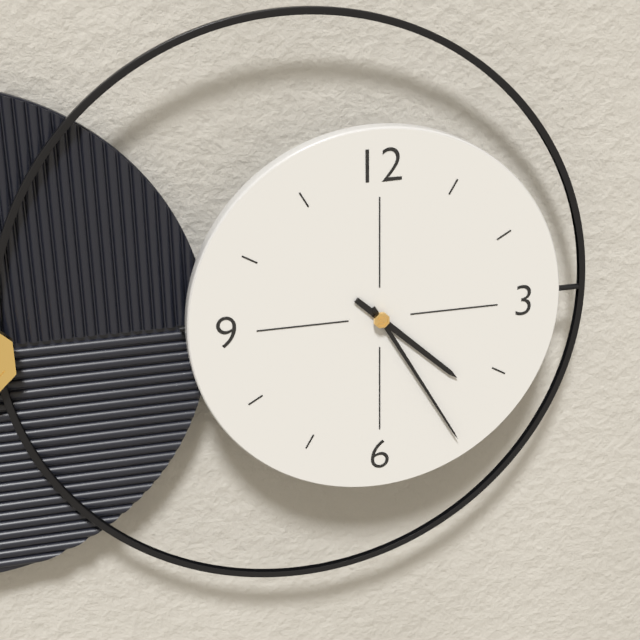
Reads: 4.25
